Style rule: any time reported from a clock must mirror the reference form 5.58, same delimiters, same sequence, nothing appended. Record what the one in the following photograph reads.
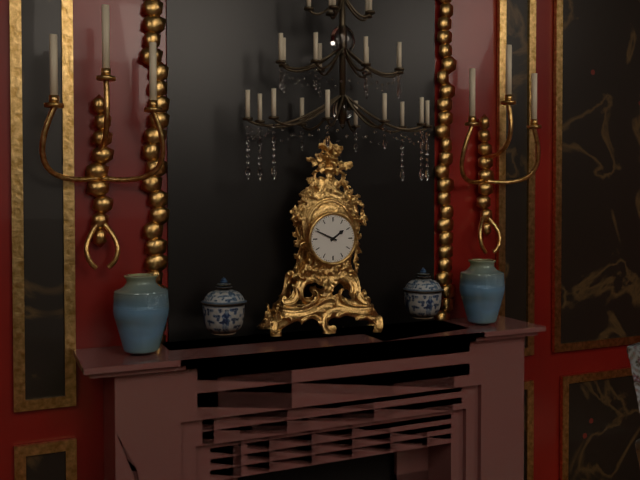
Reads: 1.49
